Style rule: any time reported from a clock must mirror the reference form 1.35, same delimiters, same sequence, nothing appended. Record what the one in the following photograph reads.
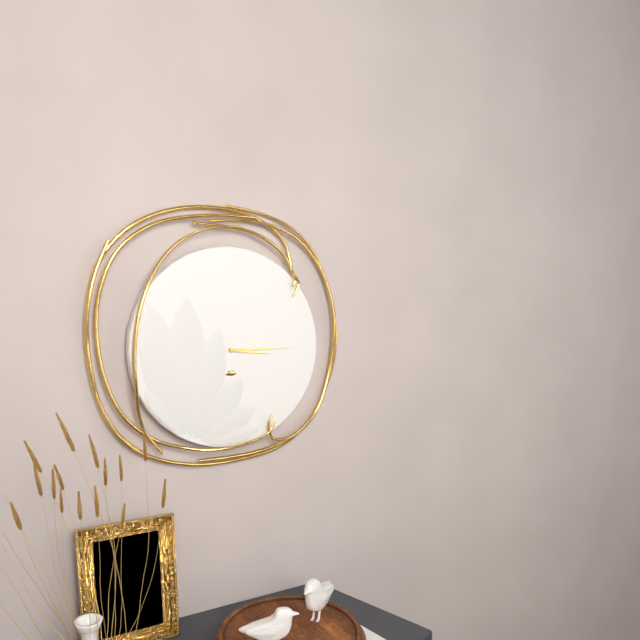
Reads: 3.15
